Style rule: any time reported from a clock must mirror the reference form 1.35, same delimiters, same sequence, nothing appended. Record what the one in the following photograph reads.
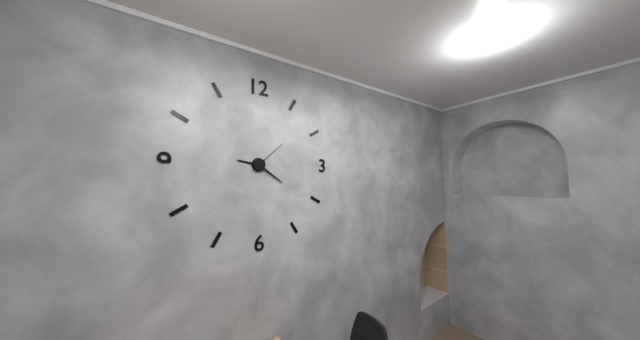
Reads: 9.21
